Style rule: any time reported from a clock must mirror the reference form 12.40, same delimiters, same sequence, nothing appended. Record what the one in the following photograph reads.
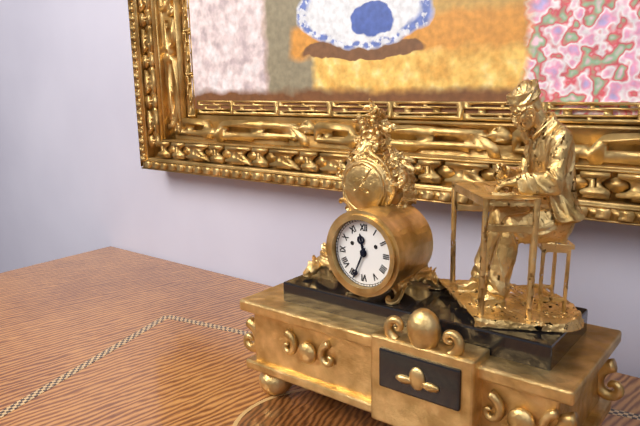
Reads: 11.34
